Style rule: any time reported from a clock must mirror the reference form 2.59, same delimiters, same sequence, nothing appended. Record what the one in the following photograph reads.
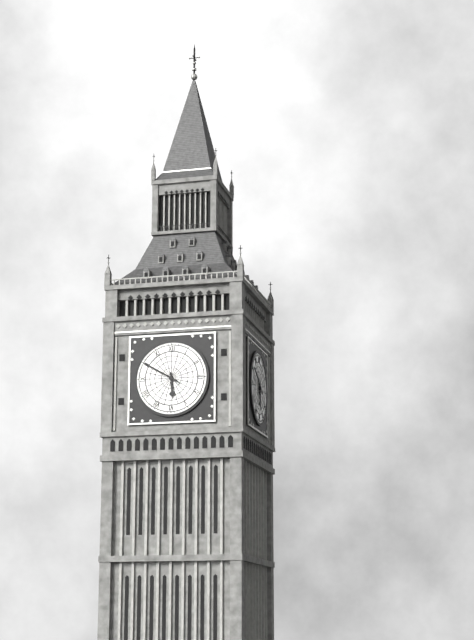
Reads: 5.50
